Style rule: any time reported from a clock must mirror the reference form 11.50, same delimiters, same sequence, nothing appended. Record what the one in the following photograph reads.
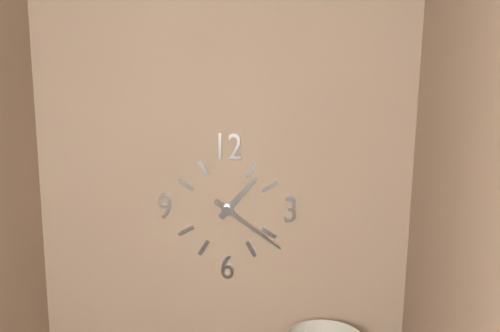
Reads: 1.21
